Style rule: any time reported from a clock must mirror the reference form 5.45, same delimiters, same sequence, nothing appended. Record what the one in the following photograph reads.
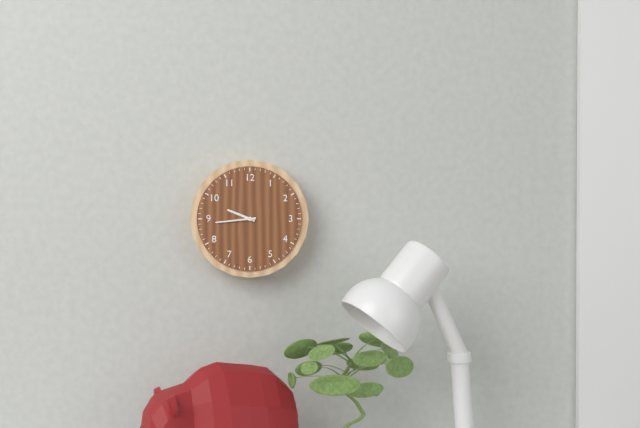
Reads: 9.44
